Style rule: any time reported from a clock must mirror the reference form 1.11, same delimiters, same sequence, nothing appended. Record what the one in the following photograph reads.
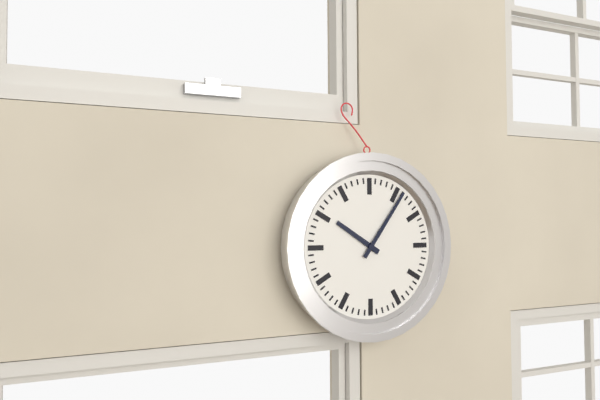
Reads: 10.06
